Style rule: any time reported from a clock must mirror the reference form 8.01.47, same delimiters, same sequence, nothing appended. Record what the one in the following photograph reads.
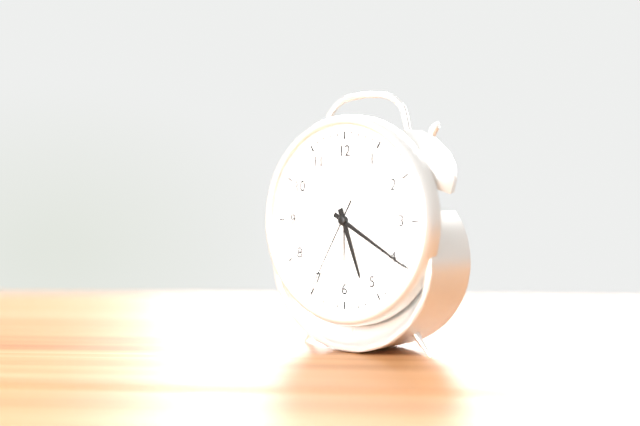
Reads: 5.20.35
